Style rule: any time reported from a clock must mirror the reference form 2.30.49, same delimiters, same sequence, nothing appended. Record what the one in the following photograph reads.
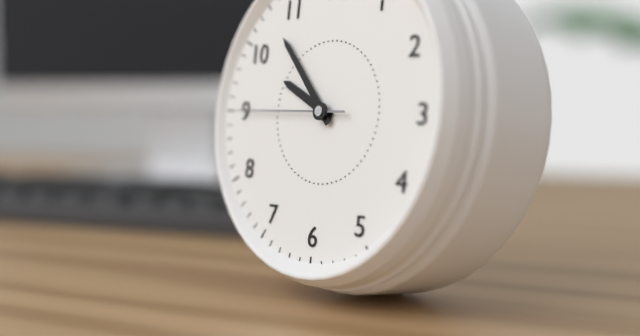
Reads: 9.53.45
